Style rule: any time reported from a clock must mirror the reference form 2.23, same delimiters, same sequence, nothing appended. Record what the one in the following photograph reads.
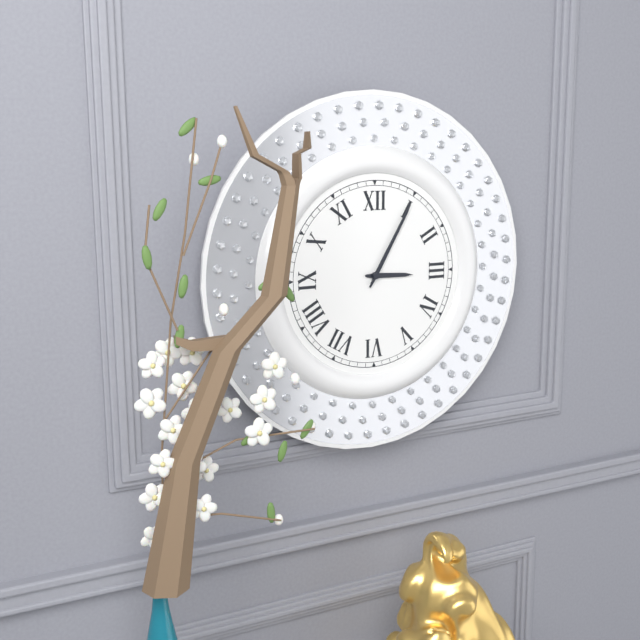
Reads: 3.05
